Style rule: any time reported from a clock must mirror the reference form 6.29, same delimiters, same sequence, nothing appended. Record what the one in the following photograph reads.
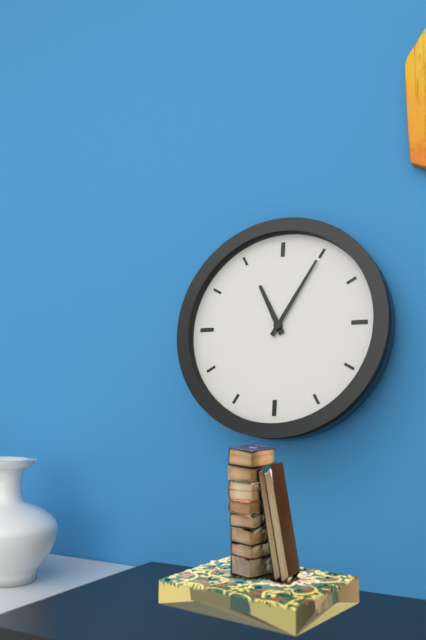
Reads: 11.05
